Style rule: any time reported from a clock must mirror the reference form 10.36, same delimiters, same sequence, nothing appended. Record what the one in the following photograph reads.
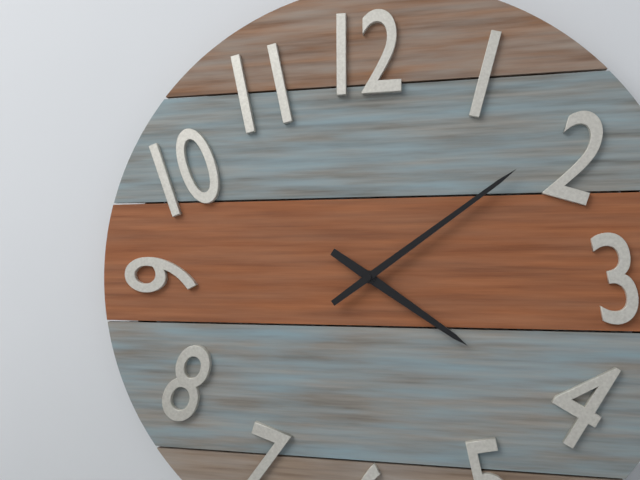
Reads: 4.09
